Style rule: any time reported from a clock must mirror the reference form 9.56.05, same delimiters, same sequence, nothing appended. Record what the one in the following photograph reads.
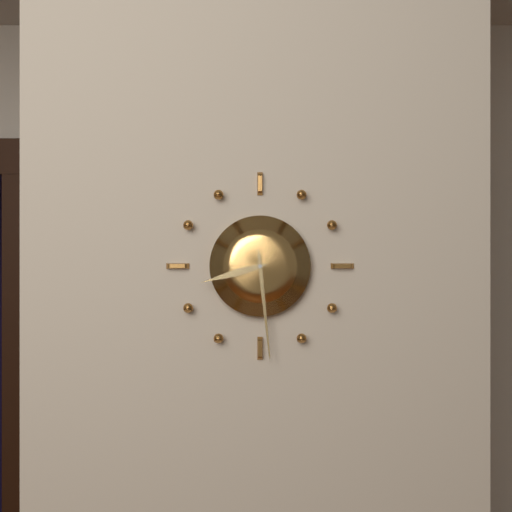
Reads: 8.29.29
